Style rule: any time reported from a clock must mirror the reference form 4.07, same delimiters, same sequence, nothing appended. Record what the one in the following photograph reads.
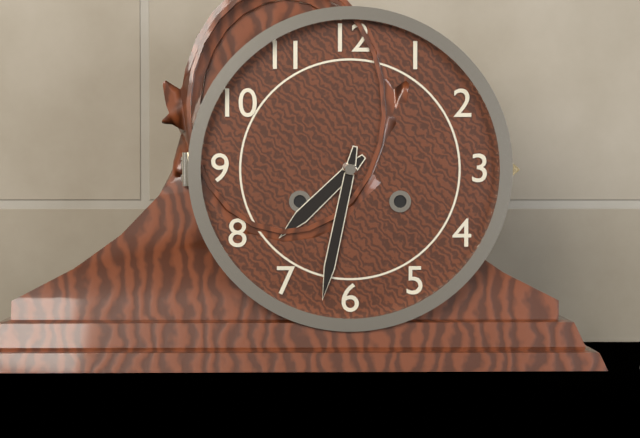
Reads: 7.32
